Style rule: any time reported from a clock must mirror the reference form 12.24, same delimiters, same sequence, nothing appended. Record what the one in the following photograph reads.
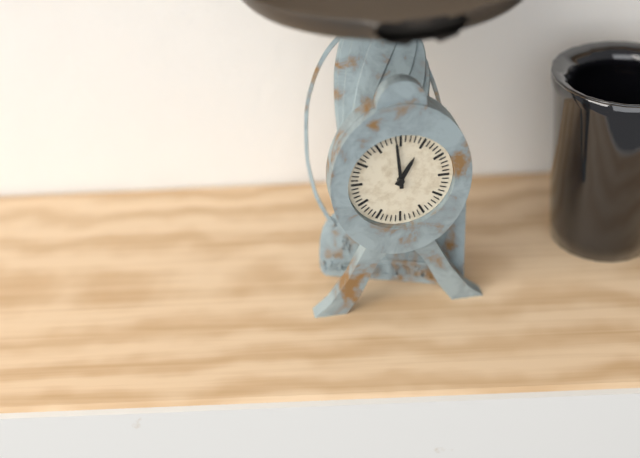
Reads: 12.59
